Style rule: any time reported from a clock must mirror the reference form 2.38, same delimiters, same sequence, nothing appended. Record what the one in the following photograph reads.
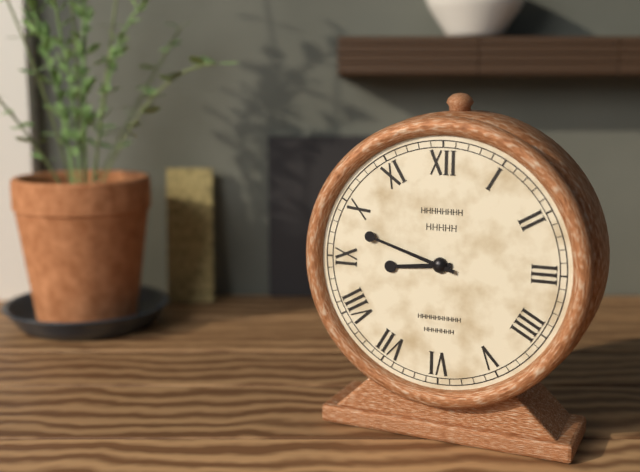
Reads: 8.48
